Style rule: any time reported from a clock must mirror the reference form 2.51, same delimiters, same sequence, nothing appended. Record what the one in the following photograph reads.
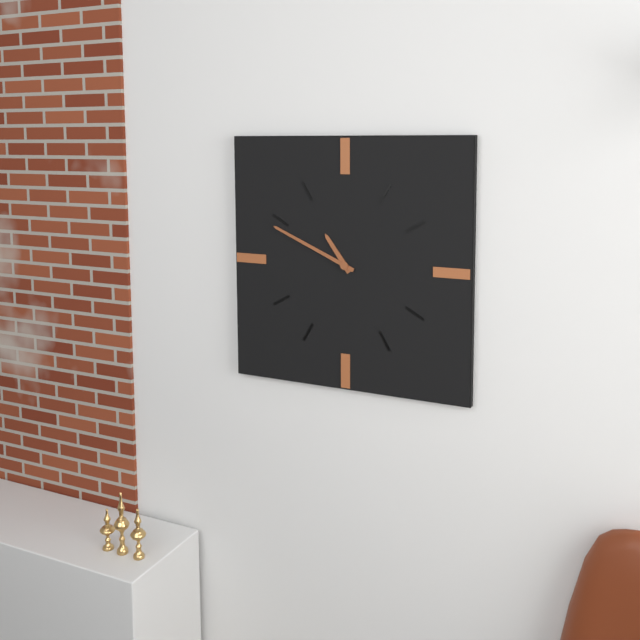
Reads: 10.49
